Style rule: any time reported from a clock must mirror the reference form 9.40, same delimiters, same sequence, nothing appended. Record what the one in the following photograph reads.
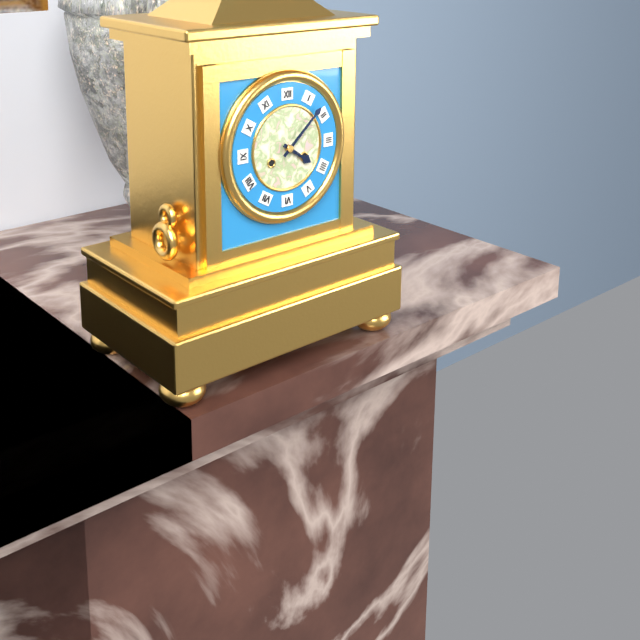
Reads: 4.08
